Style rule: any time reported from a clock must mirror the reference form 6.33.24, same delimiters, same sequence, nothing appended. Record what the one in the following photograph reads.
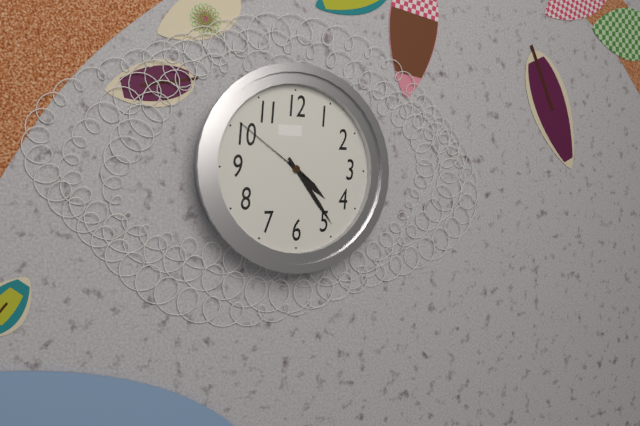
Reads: 4.24.51
